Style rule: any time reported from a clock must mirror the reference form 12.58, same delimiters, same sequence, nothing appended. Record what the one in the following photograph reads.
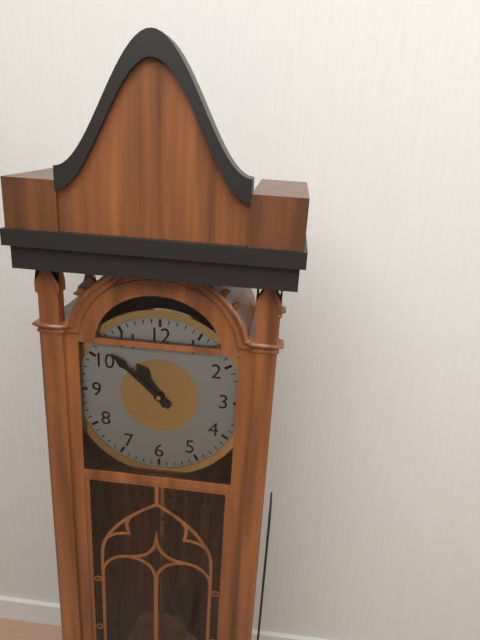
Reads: 10.52
